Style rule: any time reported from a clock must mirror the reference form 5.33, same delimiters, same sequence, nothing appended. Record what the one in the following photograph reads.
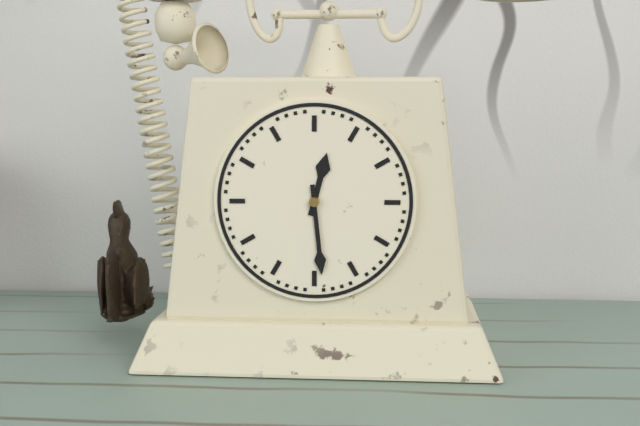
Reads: 12.29
